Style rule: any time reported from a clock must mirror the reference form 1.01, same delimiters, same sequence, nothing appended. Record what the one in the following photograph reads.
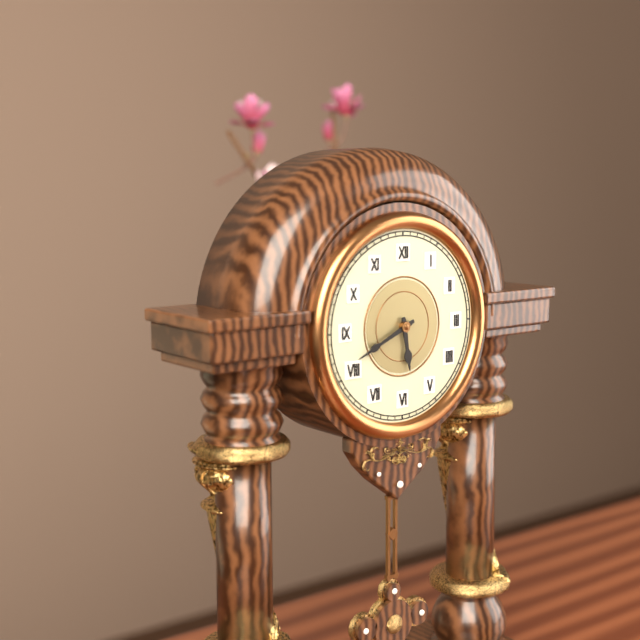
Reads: 5.41
